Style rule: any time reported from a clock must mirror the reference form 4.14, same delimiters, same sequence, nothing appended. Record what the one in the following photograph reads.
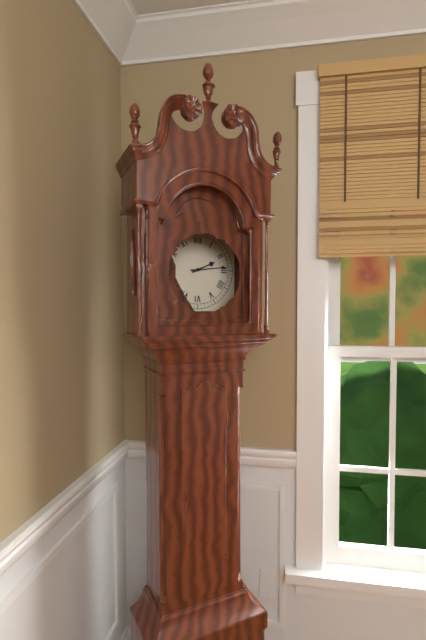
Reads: 2.14
